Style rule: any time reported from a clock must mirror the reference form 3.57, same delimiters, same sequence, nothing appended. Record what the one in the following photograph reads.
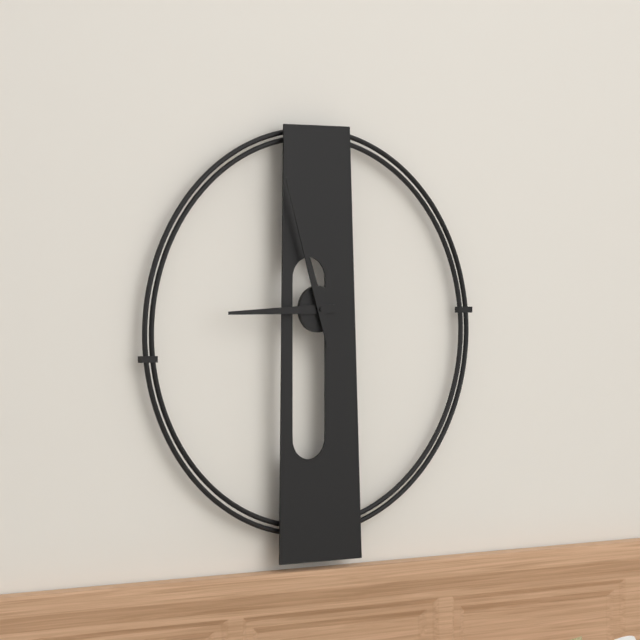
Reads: 8.57
